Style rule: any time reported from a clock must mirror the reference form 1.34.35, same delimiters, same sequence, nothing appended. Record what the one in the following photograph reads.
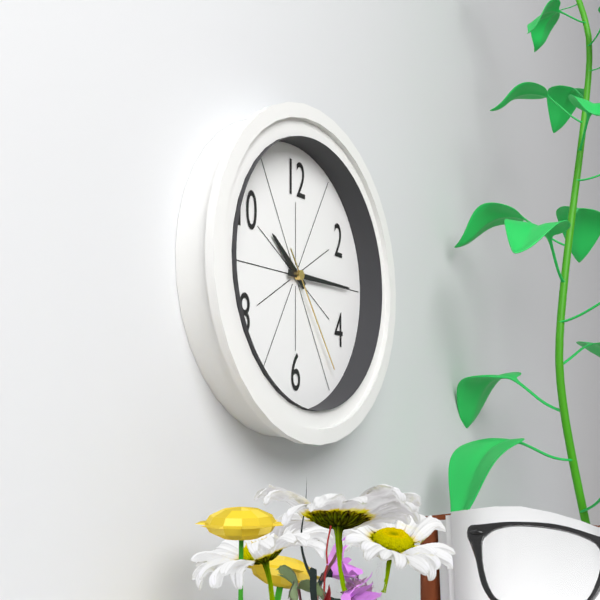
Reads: 10.15.24
